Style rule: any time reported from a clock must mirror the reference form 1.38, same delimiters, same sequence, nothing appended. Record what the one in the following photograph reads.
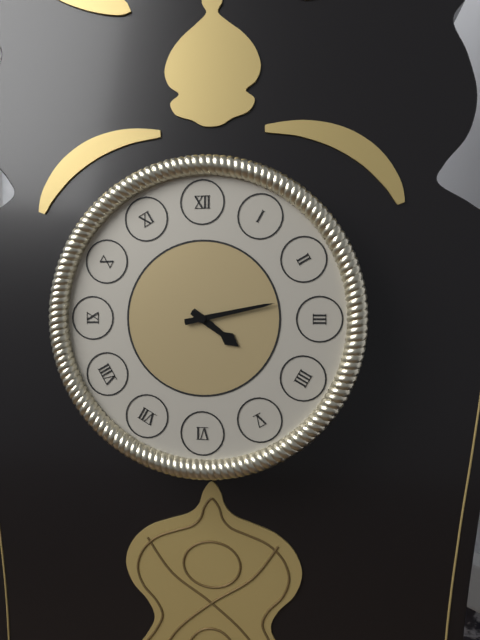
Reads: 4.13
